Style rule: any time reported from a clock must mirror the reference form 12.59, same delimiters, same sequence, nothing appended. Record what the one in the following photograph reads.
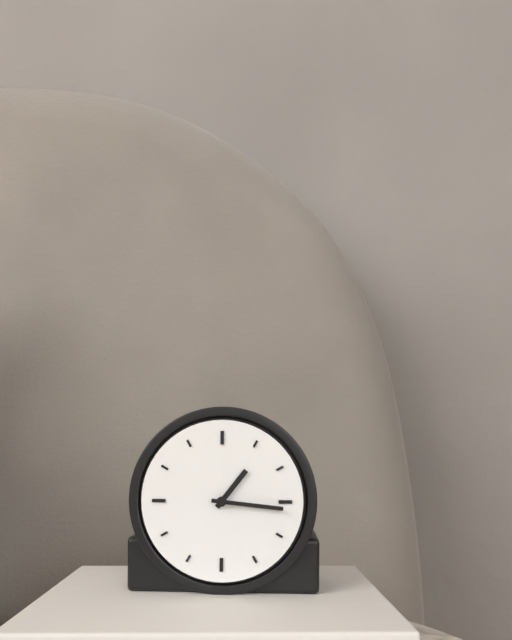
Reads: 1.16
